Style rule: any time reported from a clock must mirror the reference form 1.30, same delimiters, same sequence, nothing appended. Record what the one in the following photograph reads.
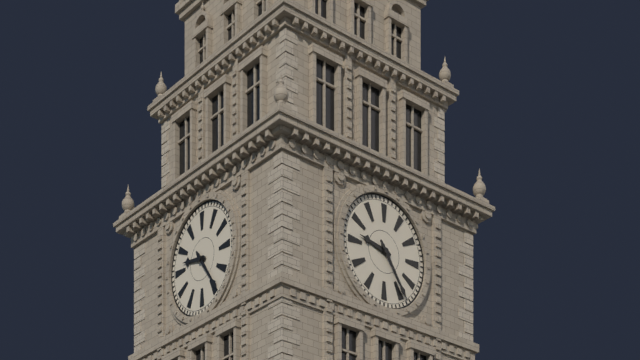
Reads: 9.24
